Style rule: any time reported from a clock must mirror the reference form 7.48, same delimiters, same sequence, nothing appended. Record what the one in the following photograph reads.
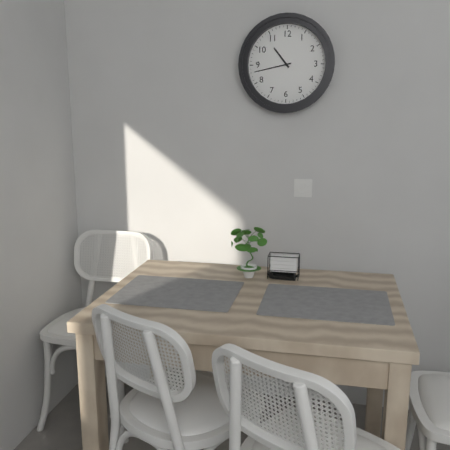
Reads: 10.43
